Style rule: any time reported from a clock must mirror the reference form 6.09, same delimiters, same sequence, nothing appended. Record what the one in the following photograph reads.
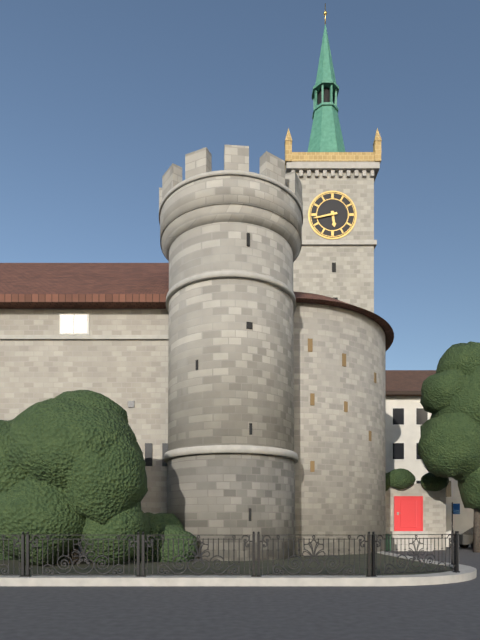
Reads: 5.43
